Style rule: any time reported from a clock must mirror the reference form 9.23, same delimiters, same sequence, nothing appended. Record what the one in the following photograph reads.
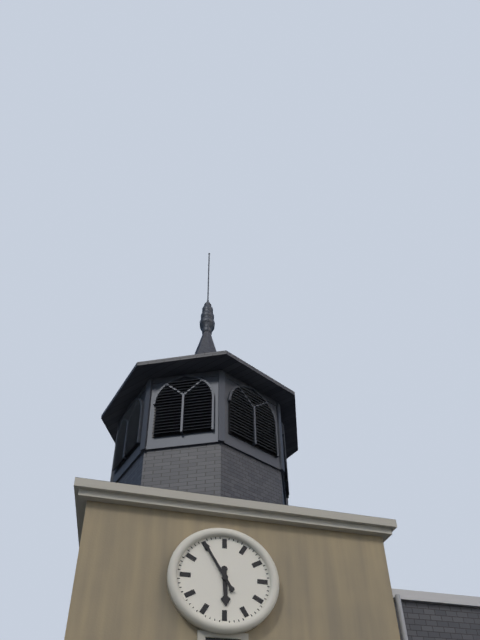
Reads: 5.55
